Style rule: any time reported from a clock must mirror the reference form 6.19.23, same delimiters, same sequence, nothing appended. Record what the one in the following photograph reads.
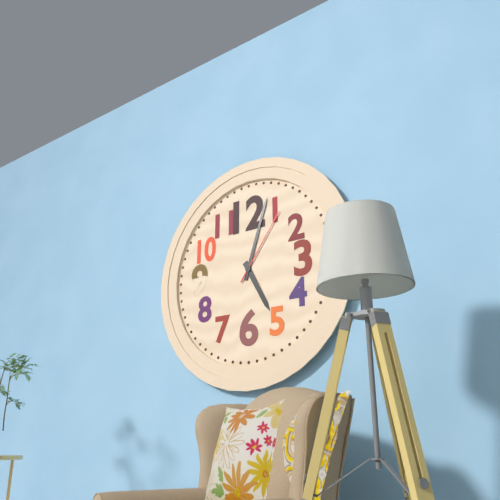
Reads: 5.03.06
